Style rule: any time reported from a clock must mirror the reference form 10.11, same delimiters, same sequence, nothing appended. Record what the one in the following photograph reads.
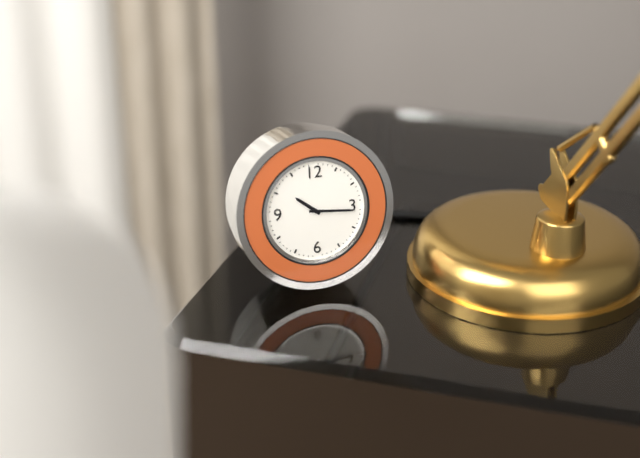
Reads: 10.16
